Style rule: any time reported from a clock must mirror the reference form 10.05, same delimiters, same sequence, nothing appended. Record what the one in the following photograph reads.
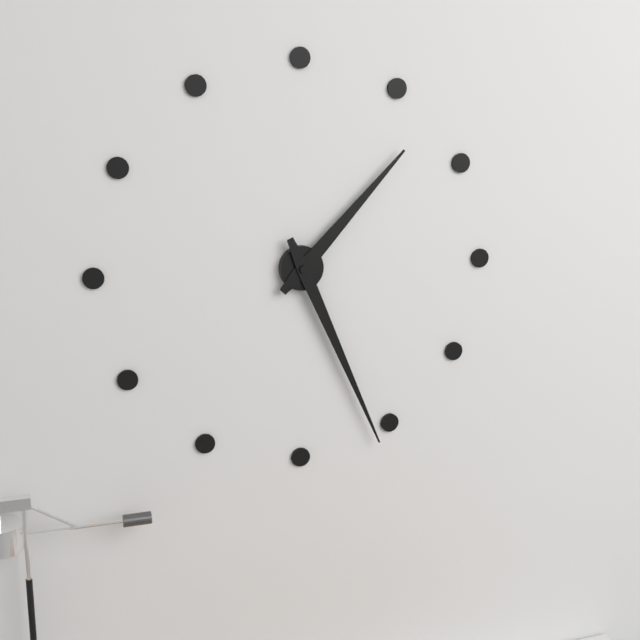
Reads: 1.26
